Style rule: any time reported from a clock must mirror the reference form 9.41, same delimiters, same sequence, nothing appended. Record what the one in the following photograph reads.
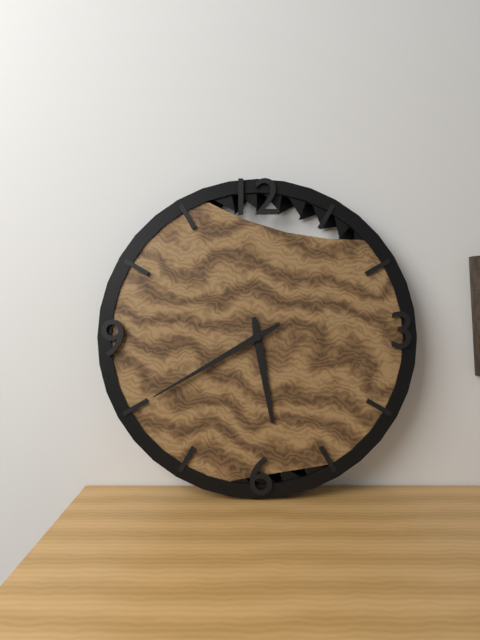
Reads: 5.40
